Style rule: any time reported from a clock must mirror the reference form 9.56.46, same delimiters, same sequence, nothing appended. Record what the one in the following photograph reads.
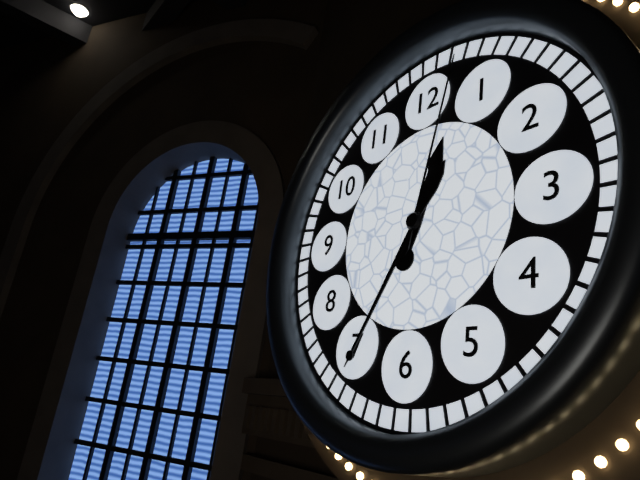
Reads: 12.35.02
